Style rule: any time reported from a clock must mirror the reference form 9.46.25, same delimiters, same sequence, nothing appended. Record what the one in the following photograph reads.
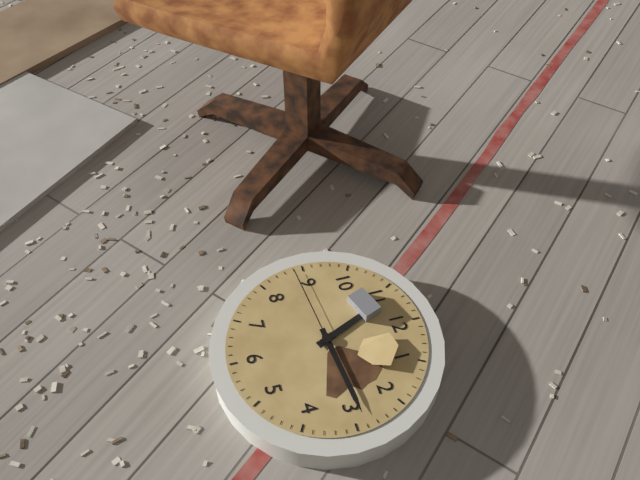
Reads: 11.14.44
